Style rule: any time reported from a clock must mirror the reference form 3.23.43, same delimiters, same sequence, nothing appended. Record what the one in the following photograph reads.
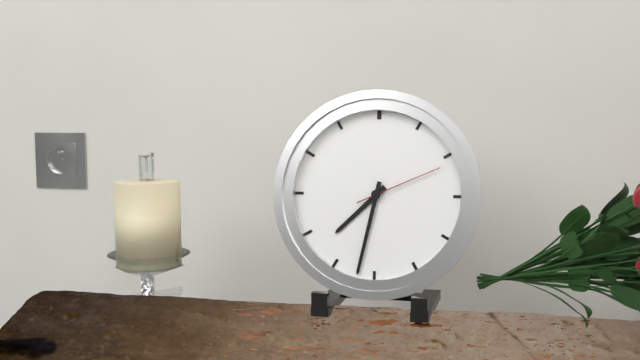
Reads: 7.32.11
